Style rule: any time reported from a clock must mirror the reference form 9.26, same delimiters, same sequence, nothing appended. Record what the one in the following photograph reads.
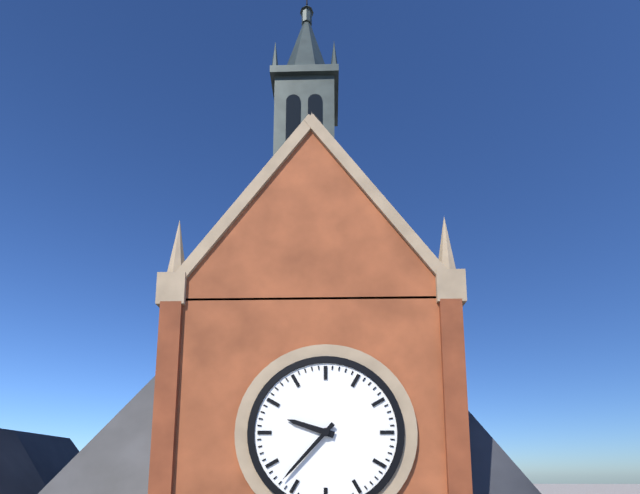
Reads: 9.37
